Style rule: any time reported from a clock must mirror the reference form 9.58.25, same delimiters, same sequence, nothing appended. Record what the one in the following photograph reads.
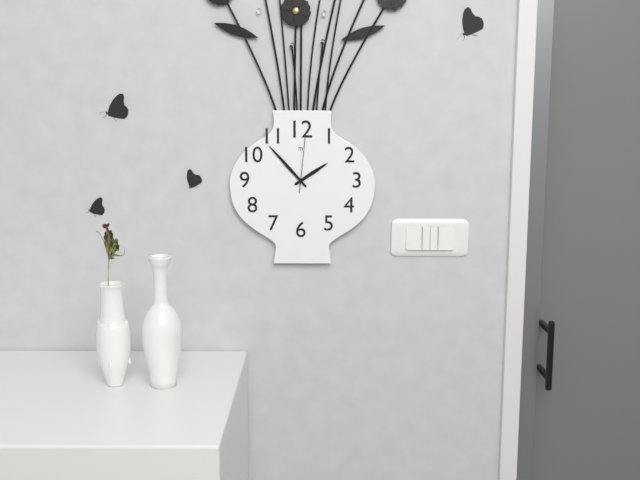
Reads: 1.53.01
